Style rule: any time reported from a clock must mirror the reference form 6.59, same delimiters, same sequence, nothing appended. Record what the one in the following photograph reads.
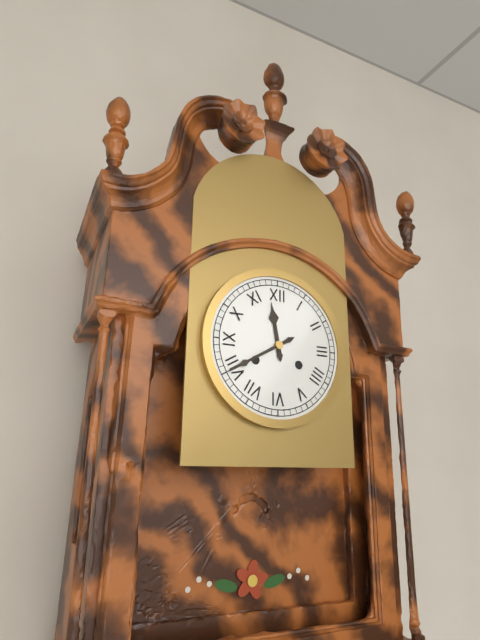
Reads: 11.40
